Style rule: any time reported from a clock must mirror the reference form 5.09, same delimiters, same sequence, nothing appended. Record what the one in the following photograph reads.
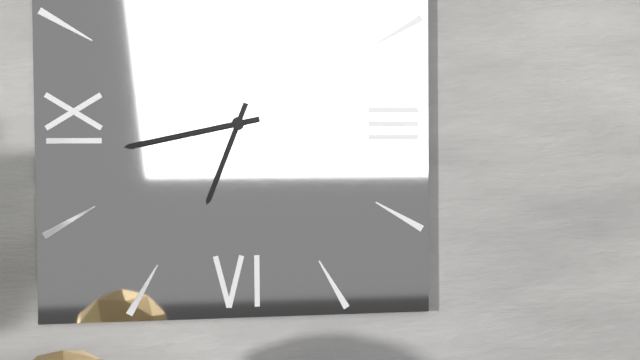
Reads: 6.43
